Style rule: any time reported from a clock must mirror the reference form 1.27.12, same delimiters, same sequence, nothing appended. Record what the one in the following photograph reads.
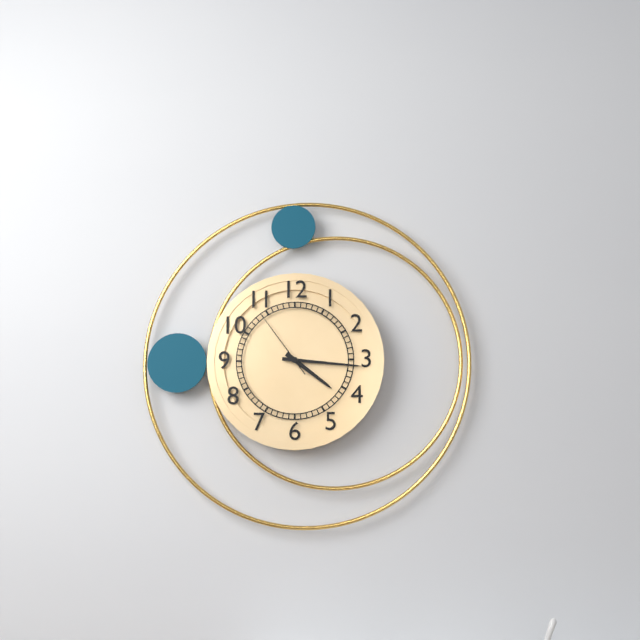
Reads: 4.16.54
